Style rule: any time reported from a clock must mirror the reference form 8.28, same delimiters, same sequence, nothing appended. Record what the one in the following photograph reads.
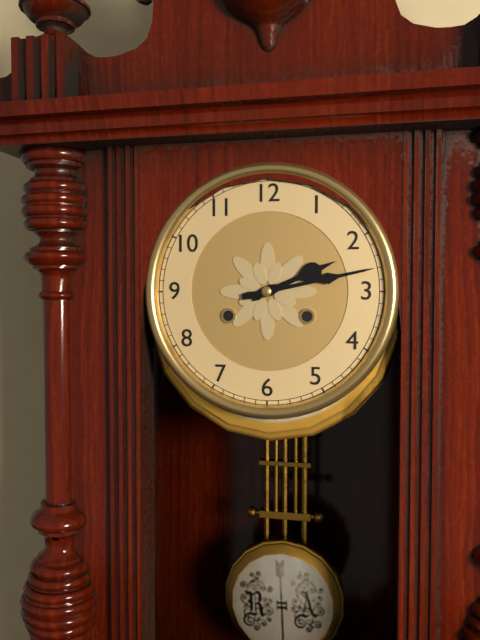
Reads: 2.13
